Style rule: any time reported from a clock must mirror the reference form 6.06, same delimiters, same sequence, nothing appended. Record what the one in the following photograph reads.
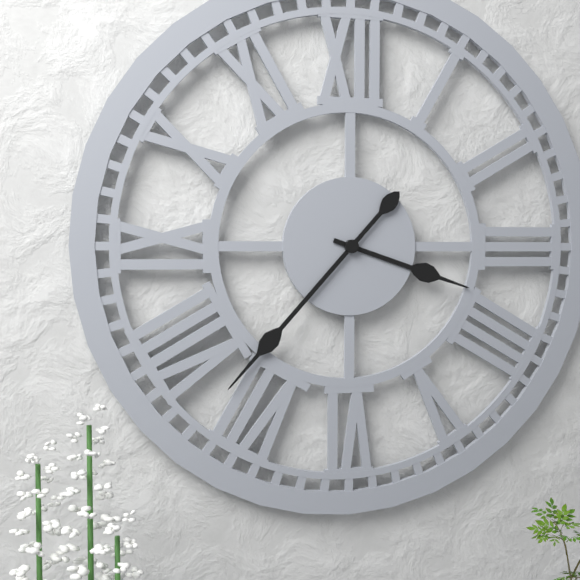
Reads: 3.37
